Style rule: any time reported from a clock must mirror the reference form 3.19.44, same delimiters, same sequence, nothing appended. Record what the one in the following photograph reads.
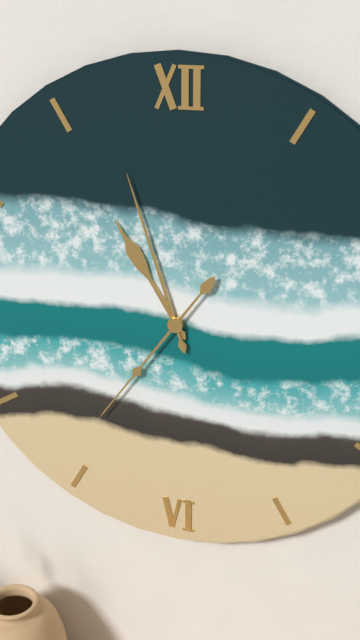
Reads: 10.57.36
